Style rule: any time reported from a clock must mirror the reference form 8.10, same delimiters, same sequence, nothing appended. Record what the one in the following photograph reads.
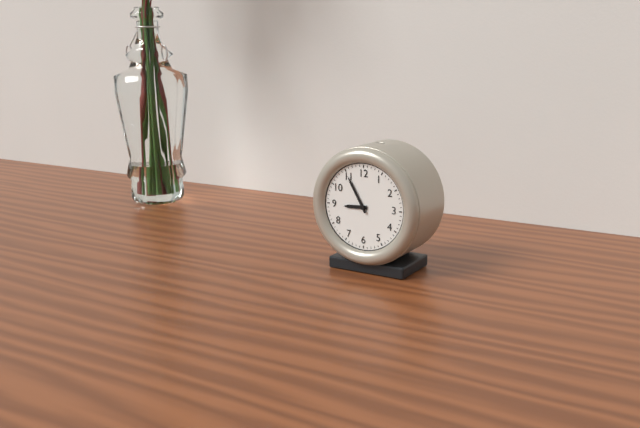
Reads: 8.55
